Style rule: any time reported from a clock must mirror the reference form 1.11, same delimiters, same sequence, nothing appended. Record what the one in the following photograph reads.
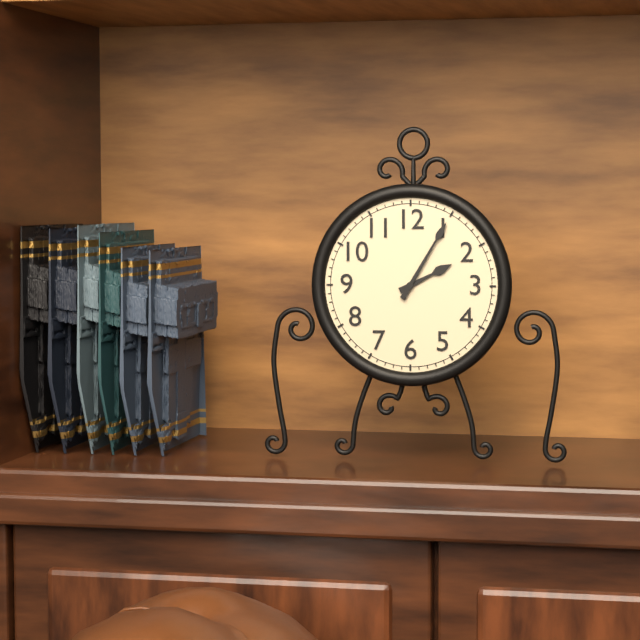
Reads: 2.05
